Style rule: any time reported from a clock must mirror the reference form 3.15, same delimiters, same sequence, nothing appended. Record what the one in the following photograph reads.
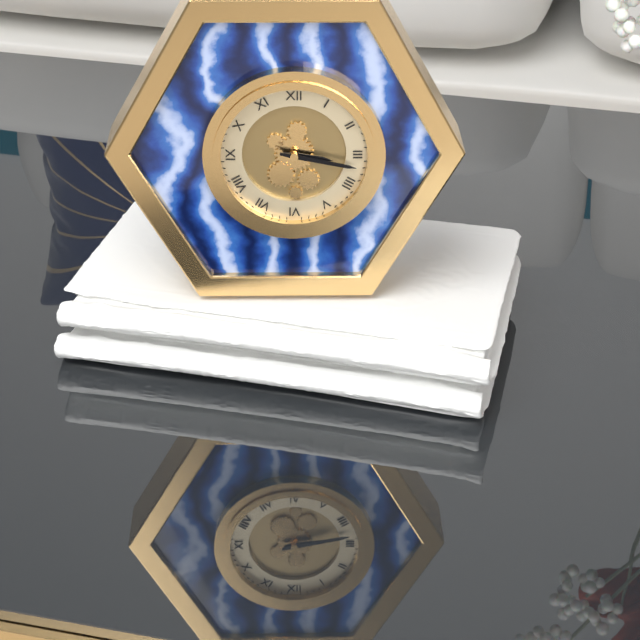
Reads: 3.17
